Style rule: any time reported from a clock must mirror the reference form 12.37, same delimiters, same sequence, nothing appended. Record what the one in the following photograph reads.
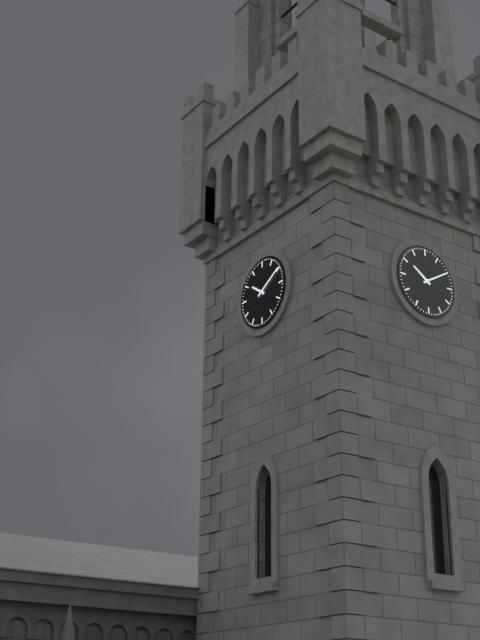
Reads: 10.10
